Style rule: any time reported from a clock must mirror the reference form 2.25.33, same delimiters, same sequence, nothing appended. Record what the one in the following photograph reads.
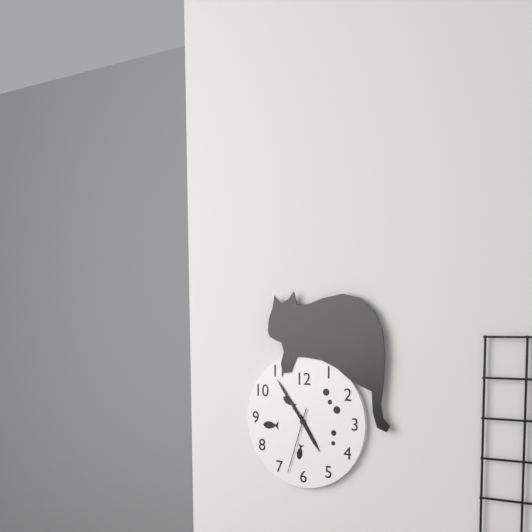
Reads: 4.54.33
